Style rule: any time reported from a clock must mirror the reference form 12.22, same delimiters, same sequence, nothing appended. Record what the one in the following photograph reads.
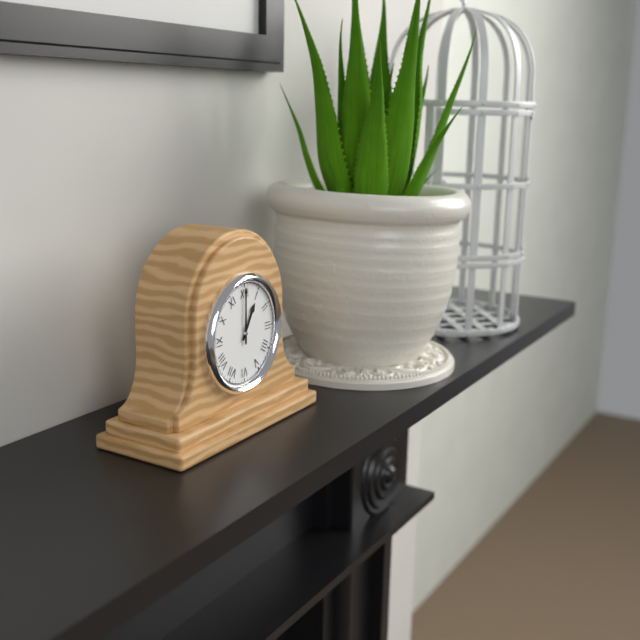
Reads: 1.00
